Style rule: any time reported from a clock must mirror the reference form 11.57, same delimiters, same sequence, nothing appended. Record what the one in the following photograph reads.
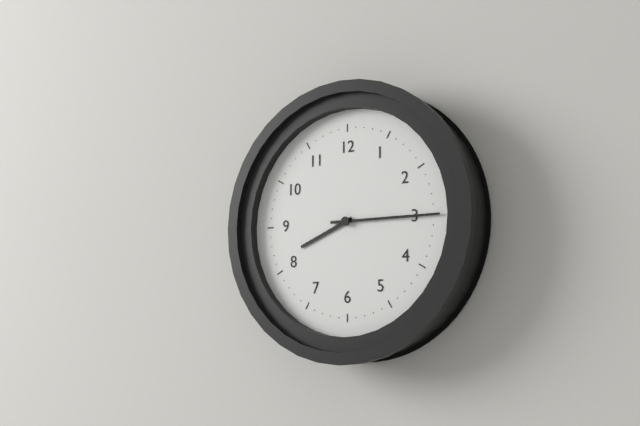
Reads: 8.15
